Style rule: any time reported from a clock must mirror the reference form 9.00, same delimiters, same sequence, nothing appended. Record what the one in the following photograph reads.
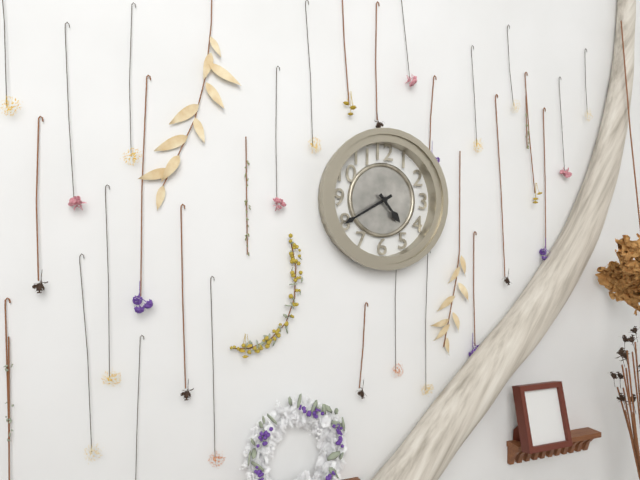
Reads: 4.40
